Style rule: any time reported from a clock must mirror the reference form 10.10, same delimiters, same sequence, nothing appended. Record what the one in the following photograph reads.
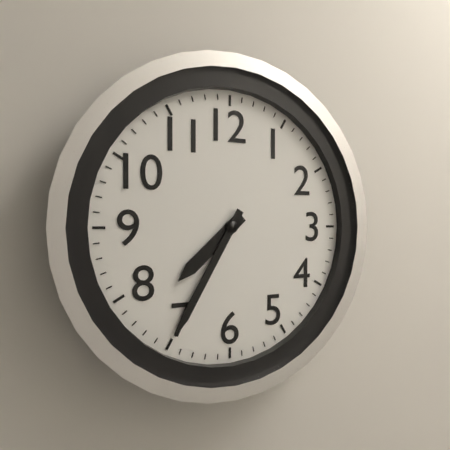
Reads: 7.35
